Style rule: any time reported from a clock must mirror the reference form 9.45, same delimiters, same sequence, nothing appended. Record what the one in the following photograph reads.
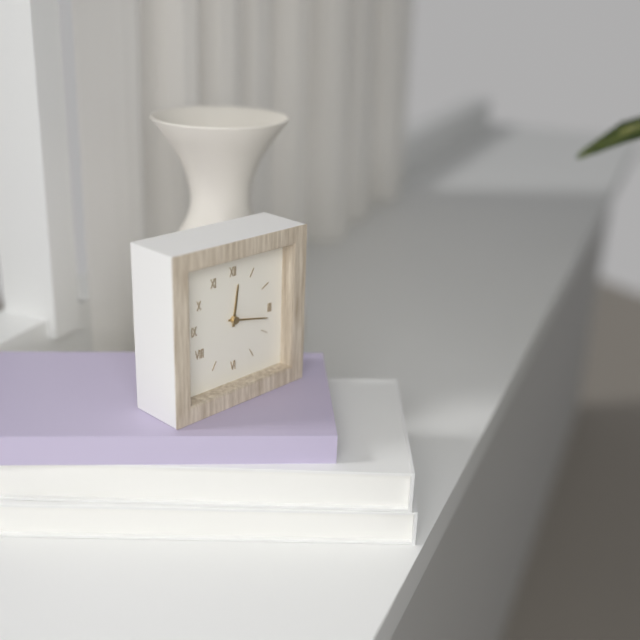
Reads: 12.17
